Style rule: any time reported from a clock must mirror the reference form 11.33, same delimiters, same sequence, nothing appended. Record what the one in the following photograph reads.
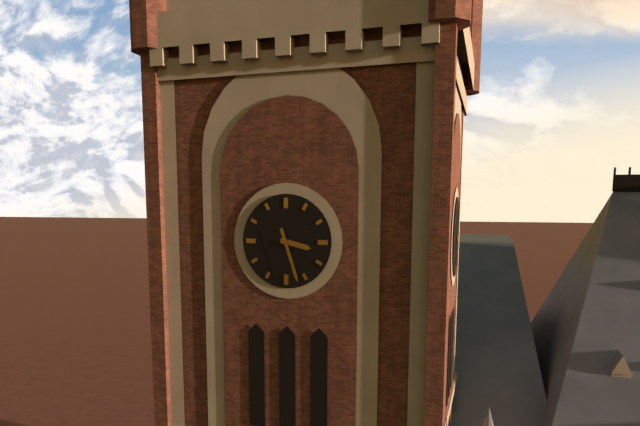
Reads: 3.27
